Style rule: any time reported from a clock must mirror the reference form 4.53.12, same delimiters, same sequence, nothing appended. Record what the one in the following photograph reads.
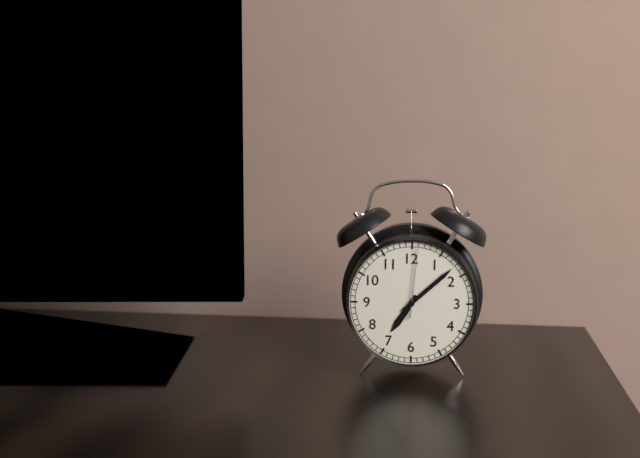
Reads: 7.08.01
